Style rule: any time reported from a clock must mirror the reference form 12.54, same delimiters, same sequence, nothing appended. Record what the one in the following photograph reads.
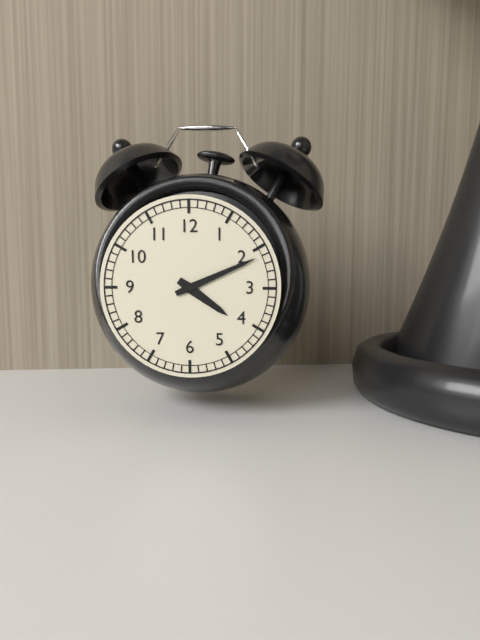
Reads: 4.11
